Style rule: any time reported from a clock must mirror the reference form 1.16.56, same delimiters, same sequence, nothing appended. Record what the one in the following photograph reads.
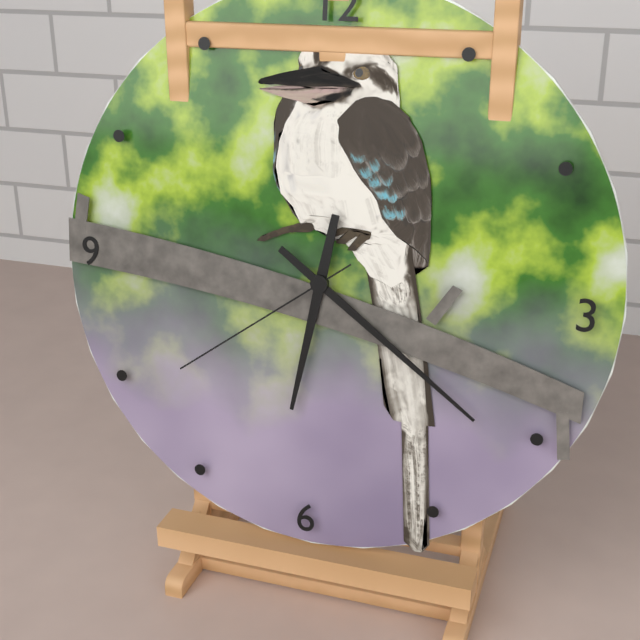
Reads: 6.21.39
